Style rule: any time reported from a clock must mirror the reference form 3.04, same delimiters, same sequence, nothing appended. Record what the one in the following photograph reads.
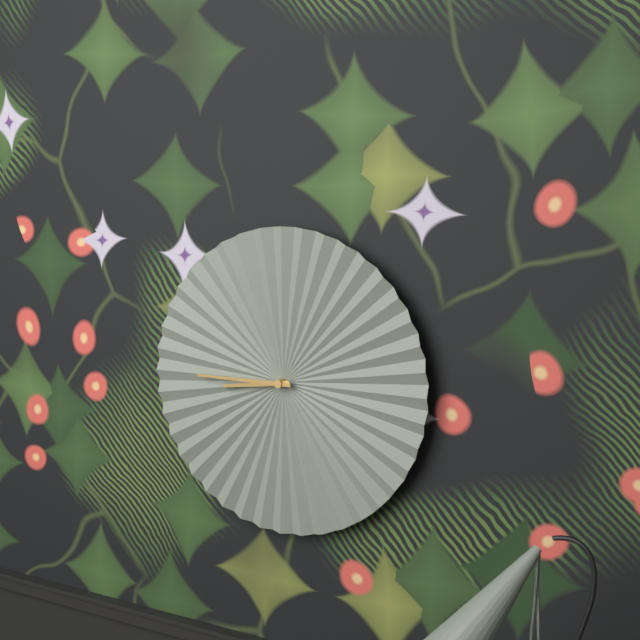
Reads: 8.45
